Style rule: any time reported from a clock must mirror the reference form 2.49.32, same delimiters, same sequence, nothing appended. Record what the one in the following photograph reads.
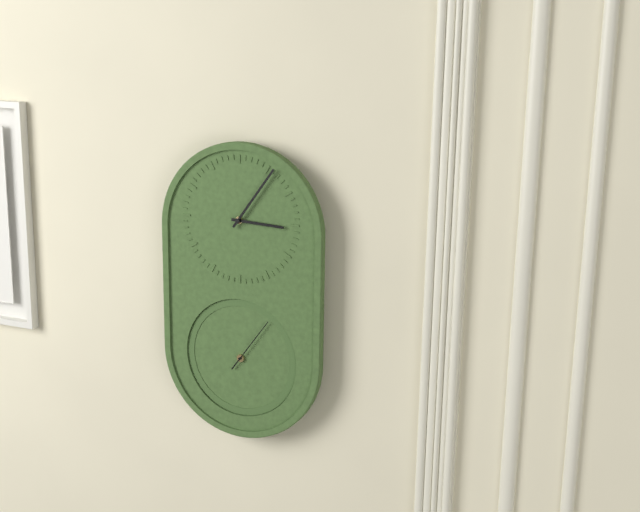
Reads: 3.06.06
